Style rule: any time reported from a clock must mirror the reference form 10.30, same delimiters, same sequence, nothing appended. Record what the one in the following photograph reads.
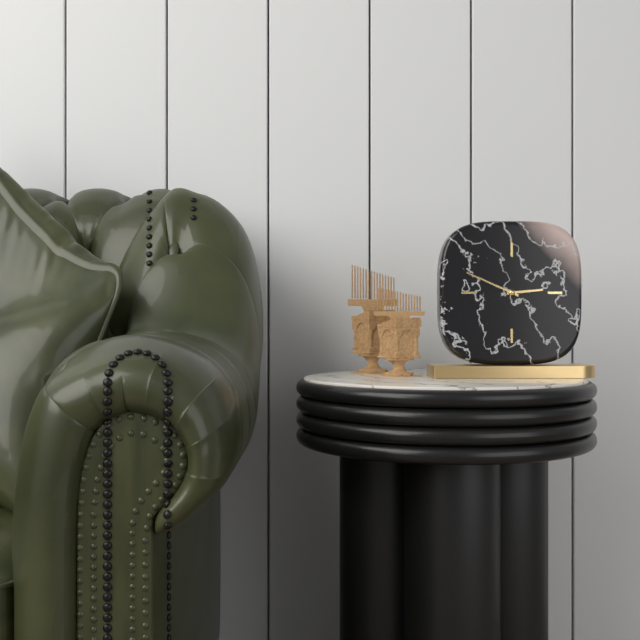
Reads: 2.49
